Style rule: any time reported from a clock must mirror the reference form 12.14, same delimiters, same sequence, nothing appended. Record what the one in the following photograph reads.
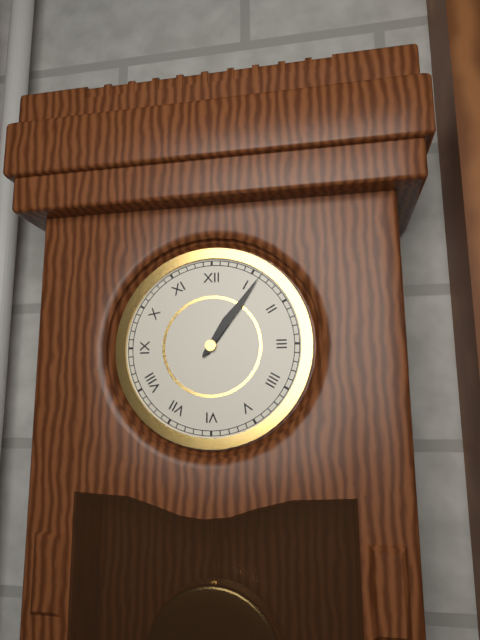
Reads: 1.06
